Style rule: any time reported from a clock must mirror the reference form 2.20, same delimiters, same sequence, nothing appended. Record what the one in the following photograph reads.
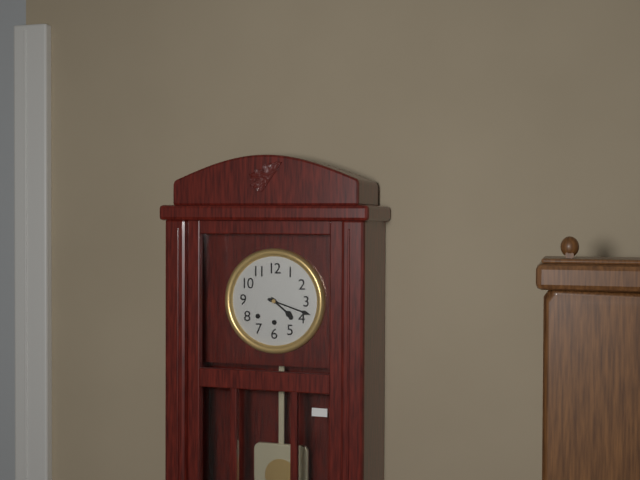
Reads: 4.18
